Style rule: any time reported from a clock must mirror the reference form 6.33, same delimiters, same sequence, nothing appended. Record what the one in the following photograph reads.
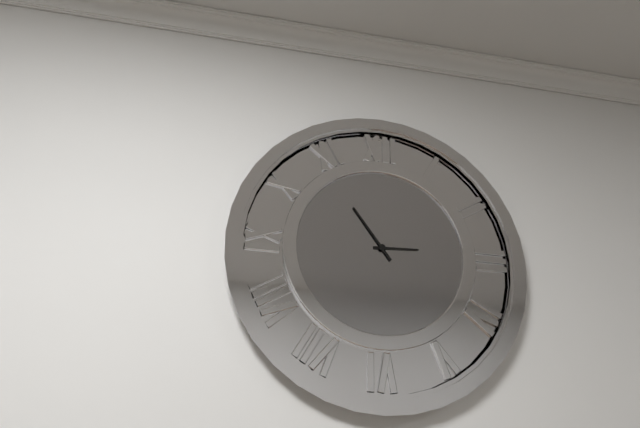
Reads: 2.54
